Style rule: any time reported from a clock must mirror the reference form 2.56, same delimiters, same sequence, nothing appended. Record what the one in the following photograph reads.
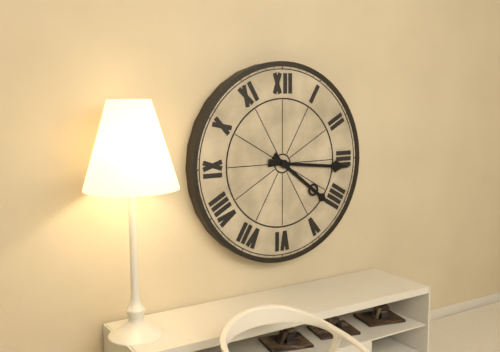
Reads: 4.16
